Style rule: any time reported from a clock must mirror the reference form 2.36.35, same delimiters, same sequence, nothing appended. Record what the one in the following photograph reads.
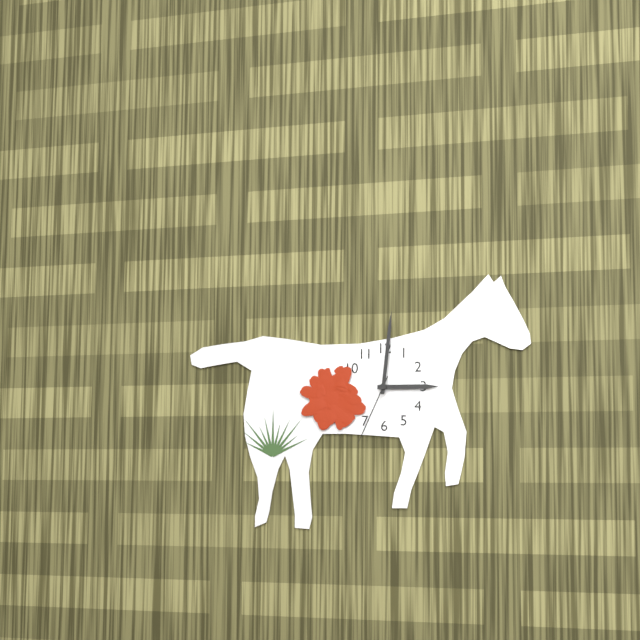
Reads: 3.01.34
